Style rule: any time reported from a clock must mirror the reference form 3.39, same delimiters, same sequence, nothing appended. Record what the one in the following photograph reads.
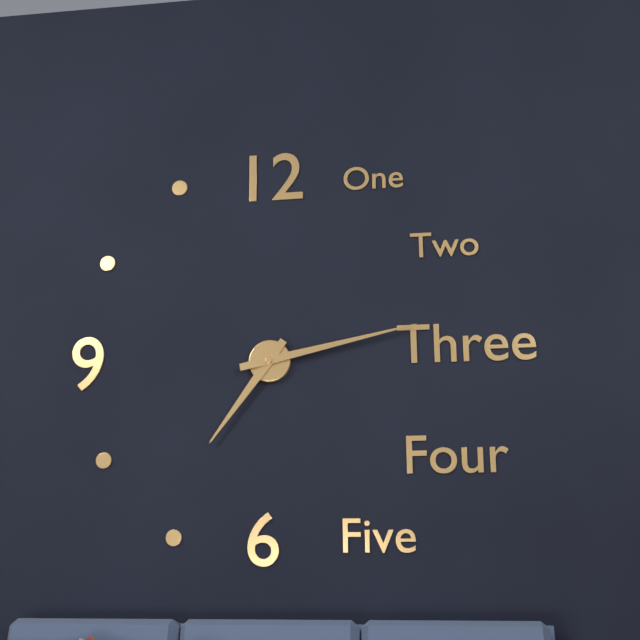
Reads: 7.13
